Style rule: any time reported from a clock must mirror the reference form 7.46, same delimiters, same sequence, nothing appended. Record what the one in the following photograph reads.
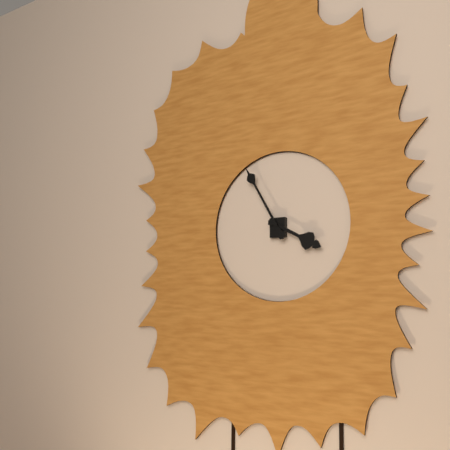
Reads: 3.55
